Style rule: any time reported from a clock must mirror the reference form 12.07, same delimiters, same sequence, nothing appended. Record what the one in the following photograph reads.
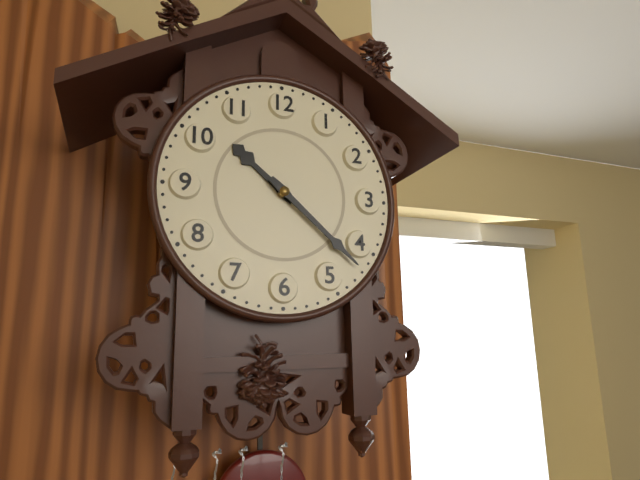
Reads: 10.22
